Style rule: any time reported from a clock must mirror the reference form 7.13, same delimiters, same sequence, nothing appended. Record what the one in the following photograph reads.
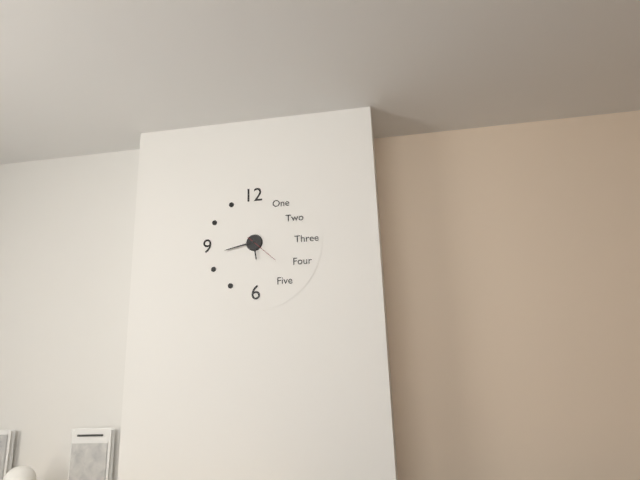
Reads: 5.43
